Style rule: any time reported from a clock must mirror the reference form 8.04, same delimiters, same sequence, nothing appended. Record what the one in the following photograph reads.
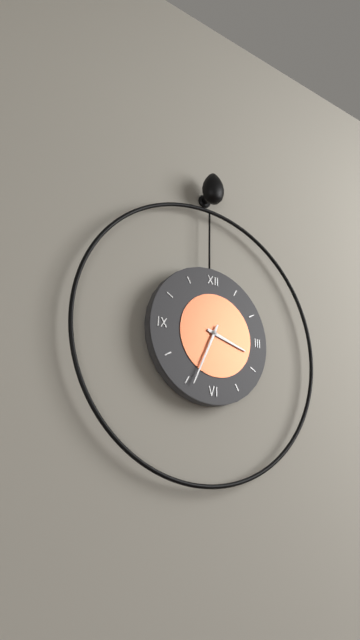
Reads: 3.34
